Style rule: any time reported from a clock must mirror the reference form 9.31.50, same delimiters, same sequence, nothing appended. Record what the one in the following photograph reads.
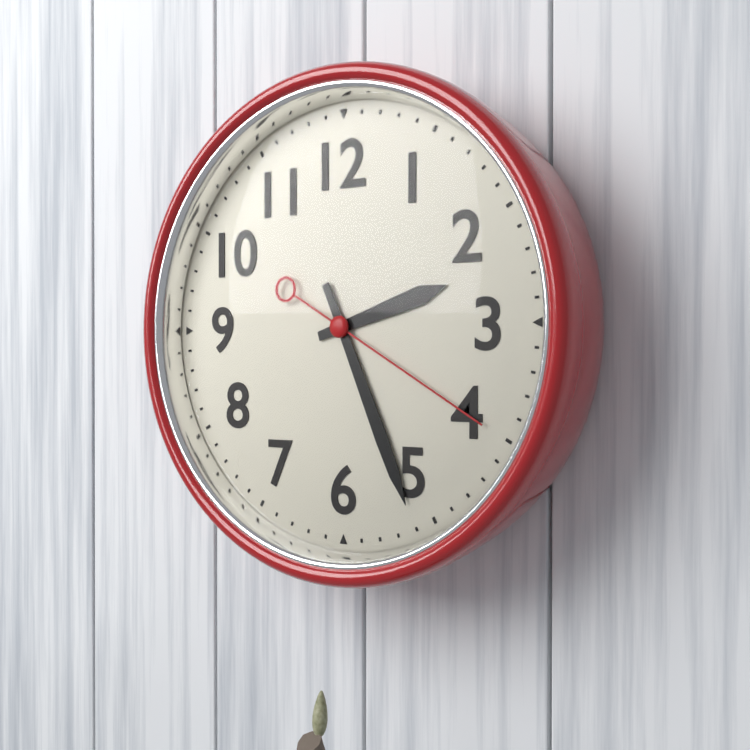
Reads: 2.26.20
